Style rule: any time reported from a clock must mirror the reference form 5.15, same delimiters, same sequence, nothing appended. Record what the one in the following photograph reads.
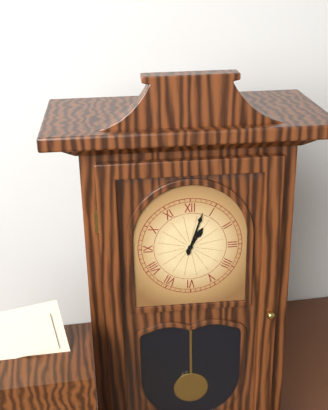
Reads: 1.03
